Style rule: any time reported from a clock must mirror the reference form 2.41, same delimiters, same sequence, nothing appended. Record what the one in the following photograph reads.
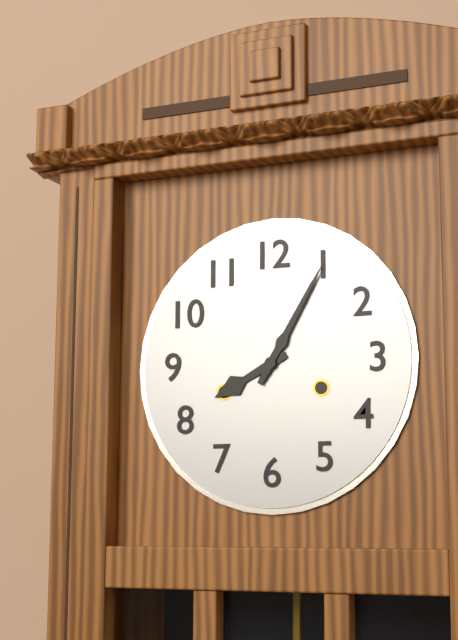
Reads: 8.05
